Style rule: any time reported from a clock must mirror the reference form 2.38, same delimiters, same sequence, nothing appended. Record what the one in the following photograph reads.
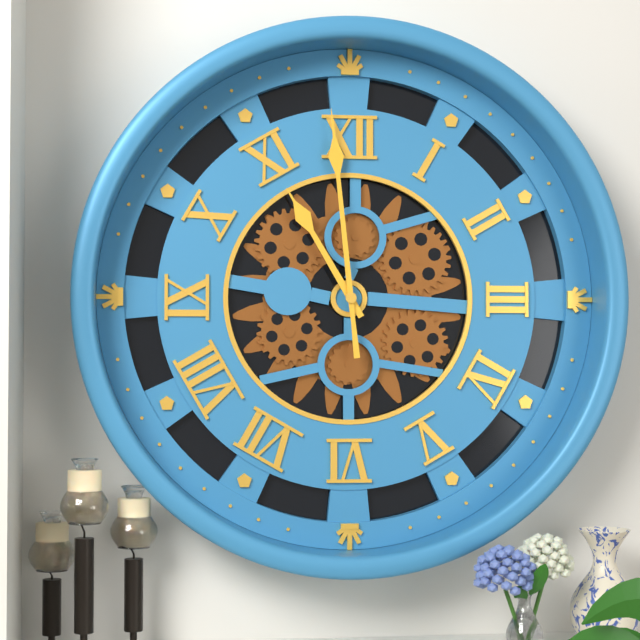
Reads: 10.59
